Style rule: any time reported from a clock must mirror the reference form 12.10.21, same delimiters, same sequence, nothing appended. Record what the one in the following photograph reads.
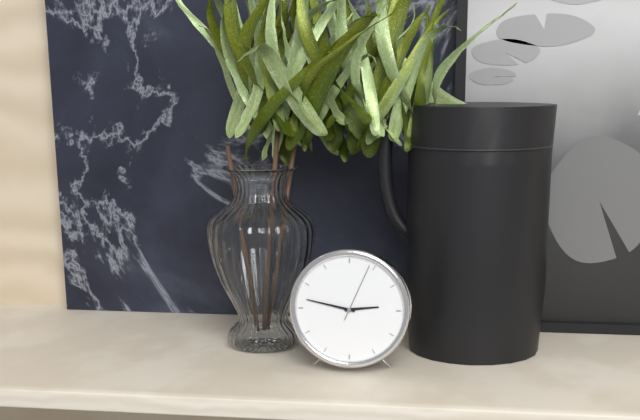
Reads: 2.47.04
